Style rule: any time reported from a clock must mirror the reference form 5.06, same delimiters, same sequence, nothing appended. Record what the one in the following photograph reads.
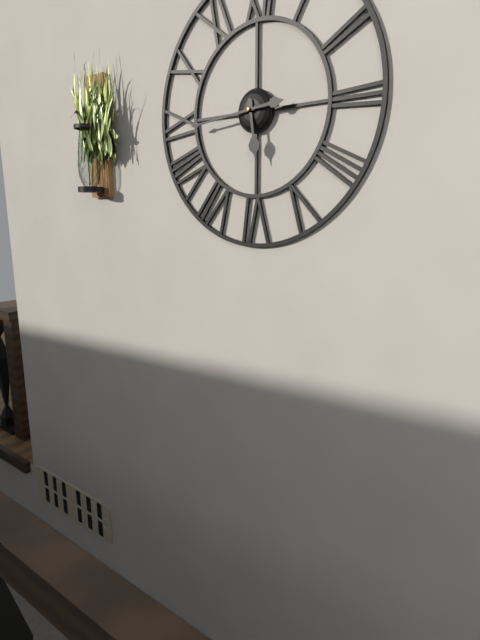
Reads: 5.44
